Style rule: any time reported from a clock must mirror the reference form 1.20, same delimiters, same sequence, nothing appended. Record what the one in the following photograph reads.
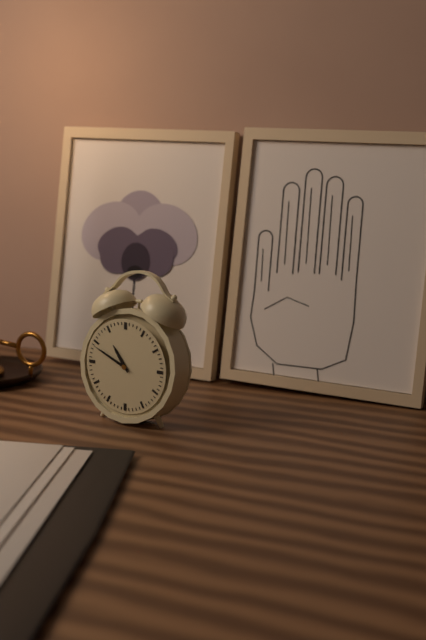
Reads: 10.49
